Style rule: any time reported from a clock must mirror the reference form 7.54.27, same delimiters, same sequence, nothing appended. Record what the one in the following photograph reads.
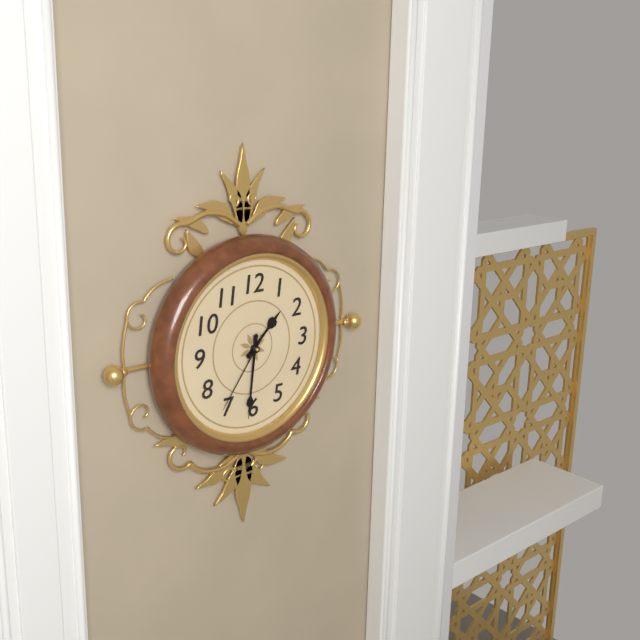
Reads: 1.31.36
